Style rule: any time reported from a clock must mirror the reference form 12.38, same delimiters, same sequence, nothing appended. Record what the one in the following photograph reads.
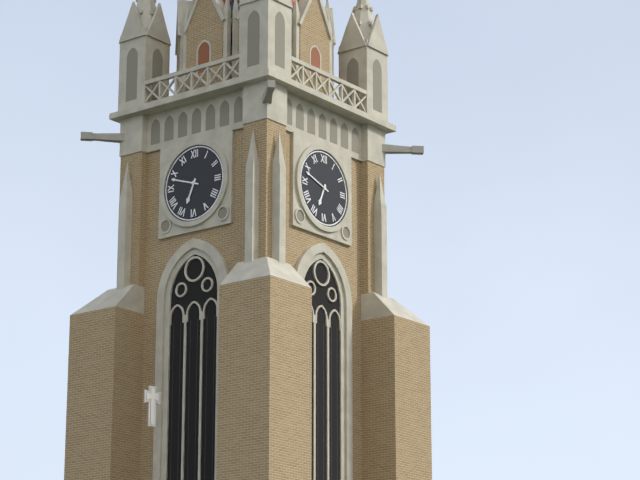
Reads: 6.48
